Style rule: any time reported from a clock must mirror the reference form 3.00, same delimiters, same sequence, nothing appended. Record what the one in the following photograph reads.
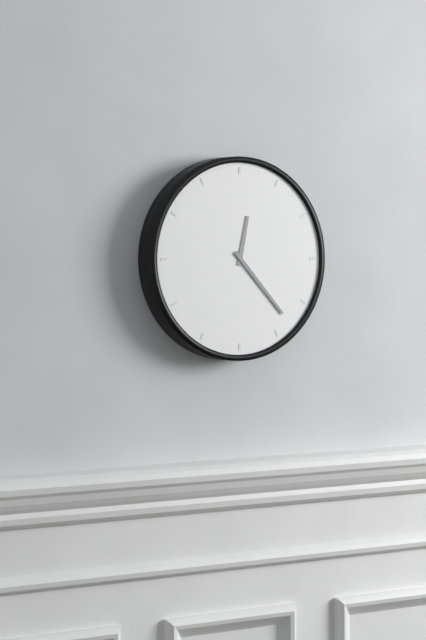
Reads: 12.23
